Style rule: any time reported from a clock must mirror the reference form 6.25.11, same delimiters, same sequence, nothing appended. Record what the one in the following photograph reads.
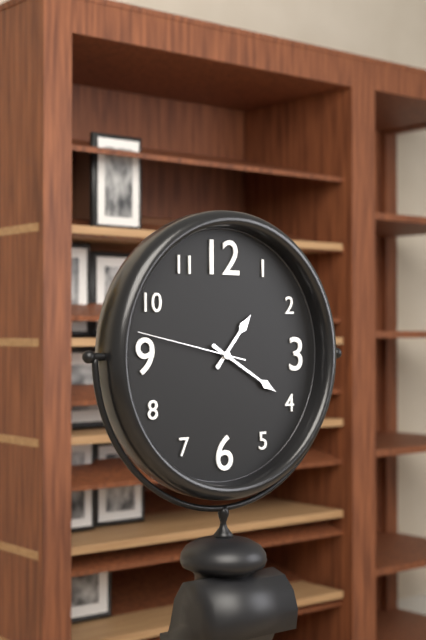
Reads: 1.20.47
